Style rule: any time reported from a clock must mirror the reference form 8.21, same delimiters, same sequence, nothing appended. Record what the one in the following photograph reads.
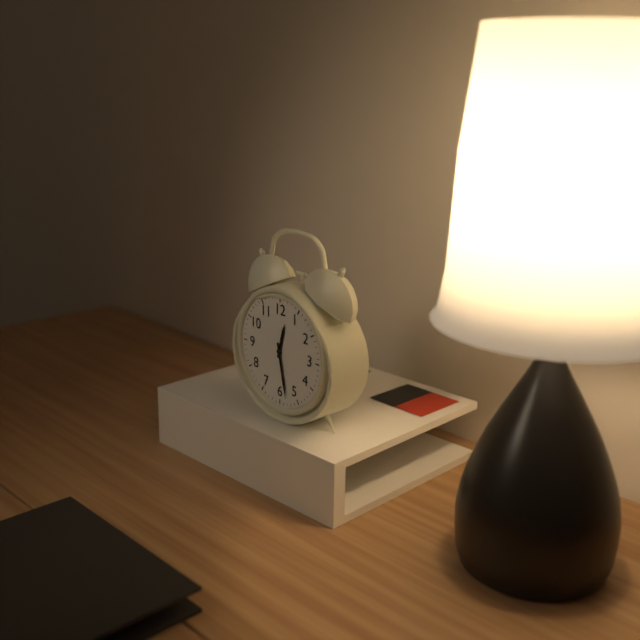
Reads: 12.28
